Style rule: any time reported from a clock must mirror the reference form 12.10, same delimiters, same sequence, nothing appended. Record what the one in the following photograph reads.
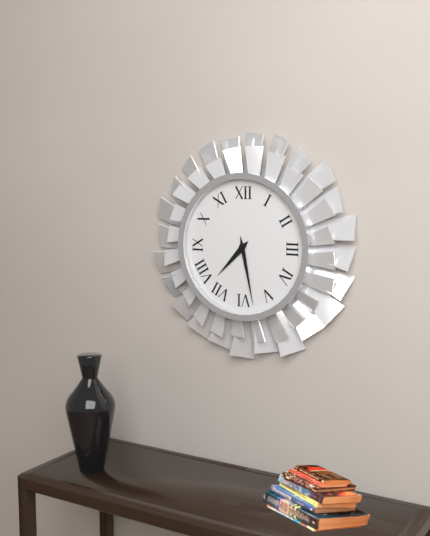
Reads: 7.28
